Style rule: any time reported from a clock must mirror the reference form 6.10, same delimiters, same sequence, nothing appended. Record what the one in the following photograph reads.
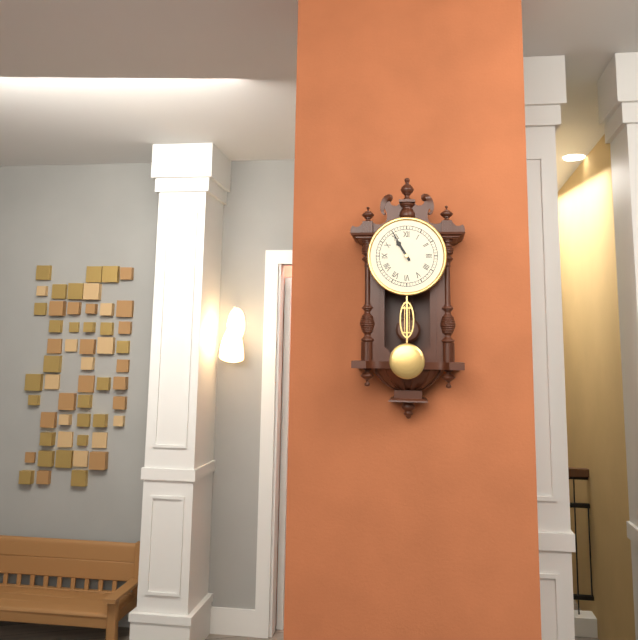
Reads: 10.55
